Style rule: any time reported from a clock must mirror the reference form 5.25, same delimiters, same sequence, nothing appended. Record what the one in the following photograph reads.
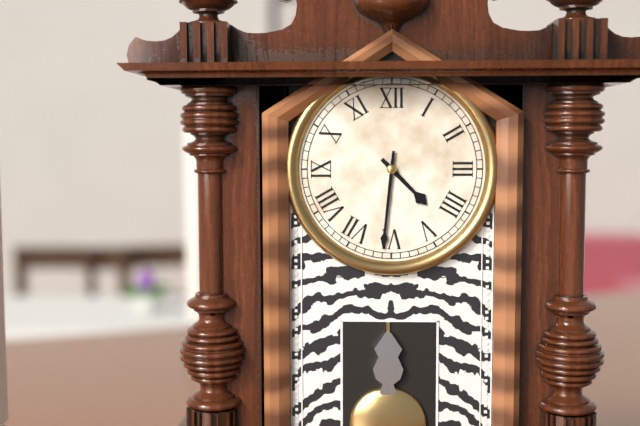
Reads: 4.31
